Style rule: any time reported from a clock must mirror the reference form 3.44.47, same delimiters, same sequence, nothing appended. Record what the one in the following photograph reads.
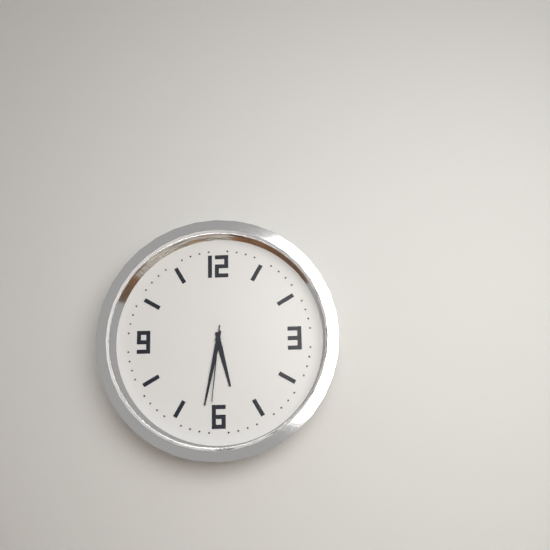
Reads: 5.32.31
